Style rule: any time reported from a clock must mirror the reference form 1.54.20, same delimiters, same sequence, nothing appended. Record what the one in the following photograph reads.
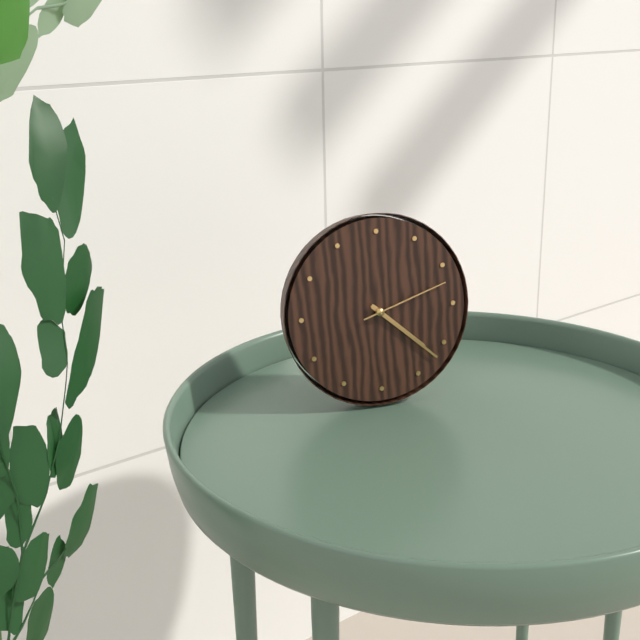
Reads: 4.22.12
